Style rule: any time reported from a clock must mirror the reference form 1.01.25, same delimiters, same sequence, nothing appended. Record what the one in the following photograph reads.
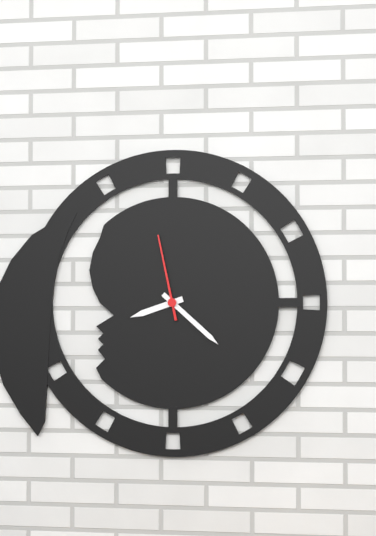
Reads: 8.22.58
